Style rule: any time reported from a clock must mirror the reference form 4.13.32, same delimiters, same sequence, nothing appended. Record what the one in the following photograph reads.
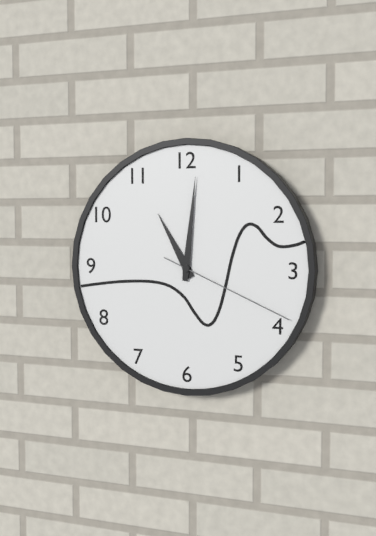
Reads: 11.01.19
